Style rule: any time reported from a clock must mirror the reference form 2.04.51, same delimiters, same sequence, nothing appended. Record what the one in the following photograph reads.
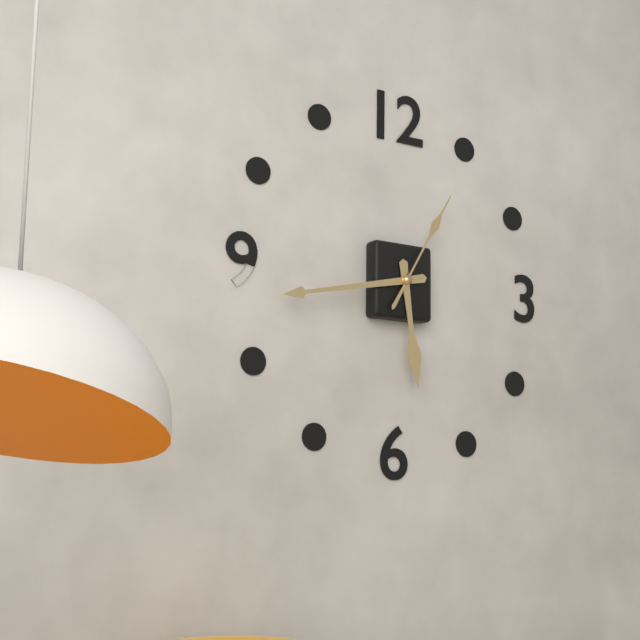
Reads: 5.43.05
